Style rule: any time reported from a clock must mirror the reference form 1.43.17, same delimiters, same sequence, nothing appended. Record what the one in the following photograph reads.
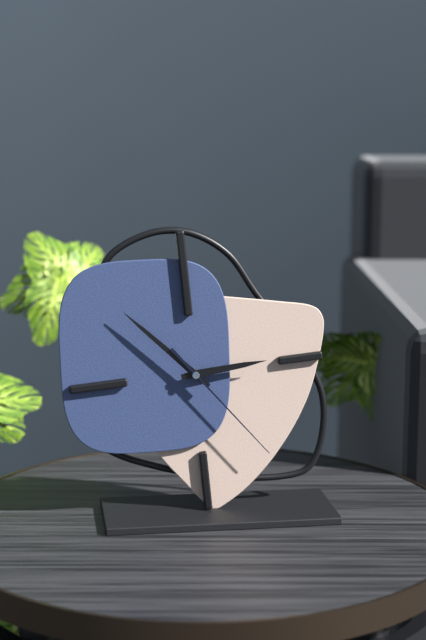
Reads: 2.53.24
